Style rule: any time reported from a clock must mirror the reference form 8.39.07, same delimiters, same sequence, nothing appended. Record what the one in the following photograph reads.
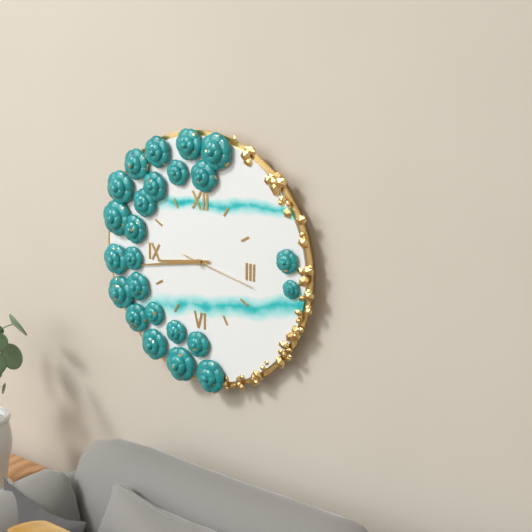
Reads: 8.43.17
